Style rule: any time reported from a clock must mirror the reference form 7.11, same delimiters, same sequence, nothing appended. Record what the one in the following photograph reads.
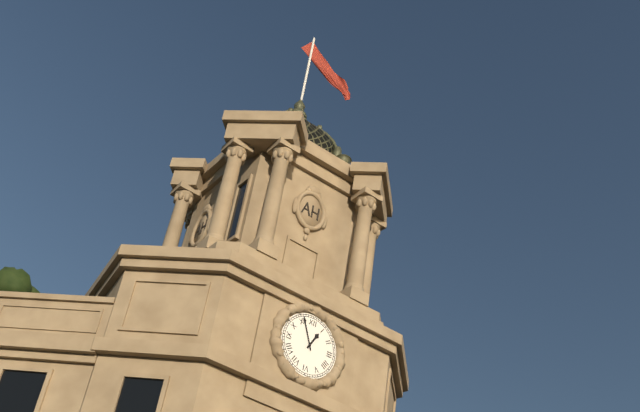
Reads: 12.56
